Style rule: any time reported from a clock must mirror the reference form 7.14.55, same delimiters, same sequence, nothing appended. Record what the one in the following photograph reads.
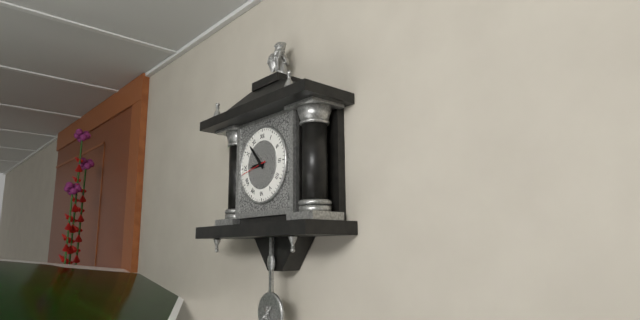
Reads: 8.53.43
